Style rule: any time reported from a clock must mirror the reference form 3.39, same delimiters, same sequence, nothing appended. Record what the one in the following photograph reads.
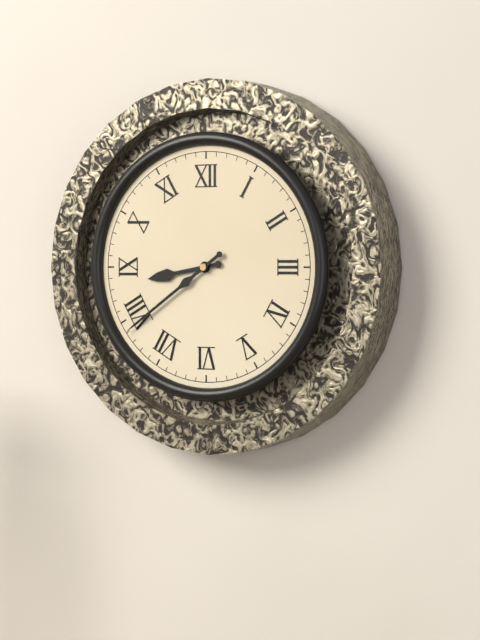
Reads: 8.39
